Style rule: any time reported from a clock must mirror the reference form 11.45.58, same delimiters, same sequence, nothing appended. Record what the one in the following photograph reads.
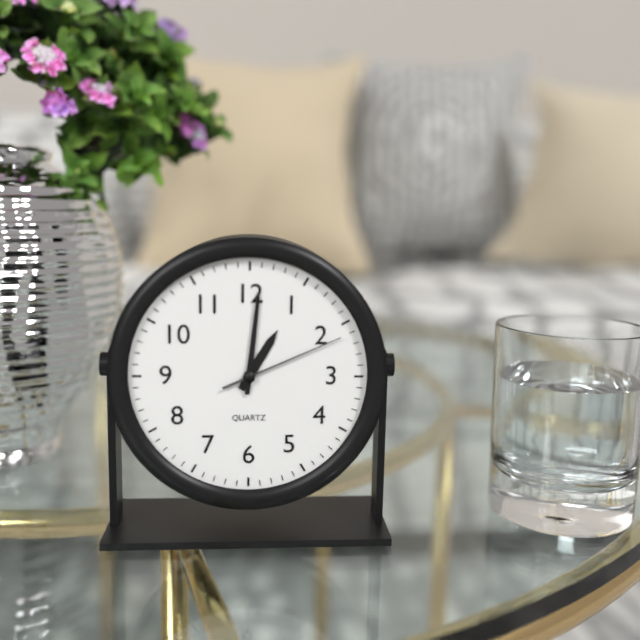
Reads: 1.01.11
